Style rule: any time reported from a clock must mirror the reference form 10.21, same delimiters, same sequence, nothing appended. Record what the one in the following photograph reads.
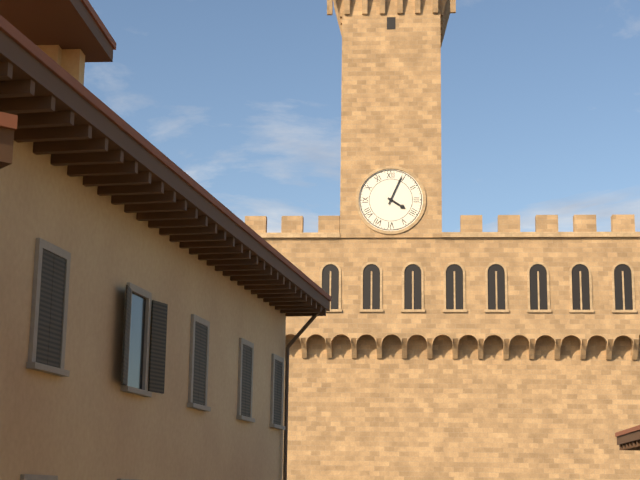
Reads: 4.04
